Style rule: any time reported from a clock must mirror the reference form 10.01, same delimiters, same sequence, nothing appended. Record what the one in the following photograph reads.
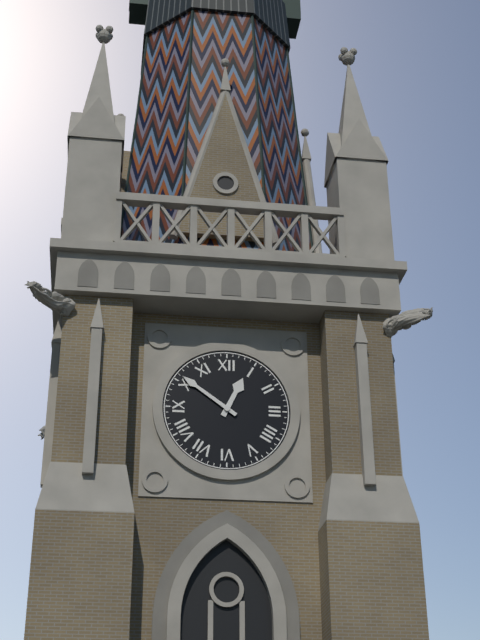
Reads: 12.51
